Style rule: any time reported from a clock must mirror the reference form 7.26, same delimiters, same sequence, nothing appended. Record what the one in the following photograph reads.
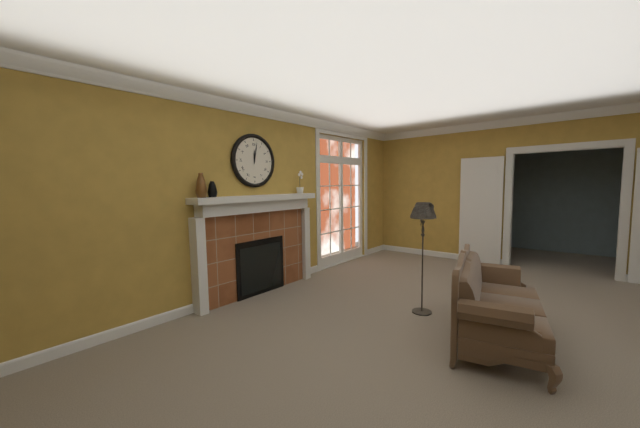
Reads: 12.02
